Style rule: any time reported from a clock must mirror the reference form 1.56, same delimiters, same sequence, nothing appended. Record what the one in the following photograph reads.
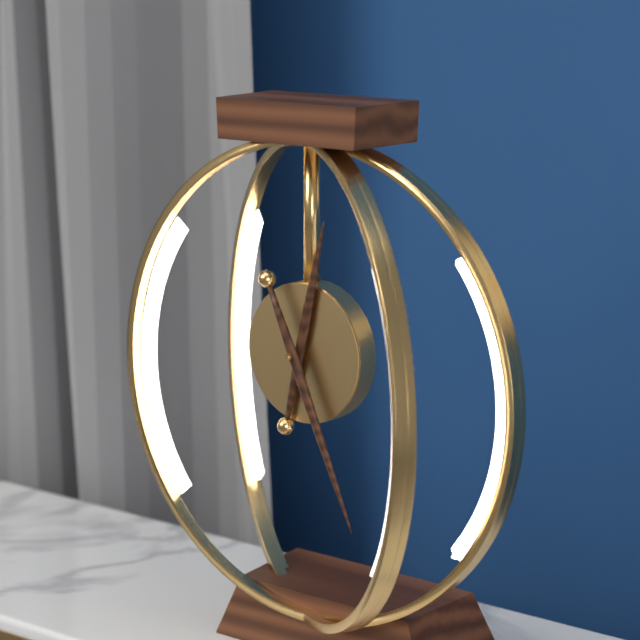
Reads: 12.26
